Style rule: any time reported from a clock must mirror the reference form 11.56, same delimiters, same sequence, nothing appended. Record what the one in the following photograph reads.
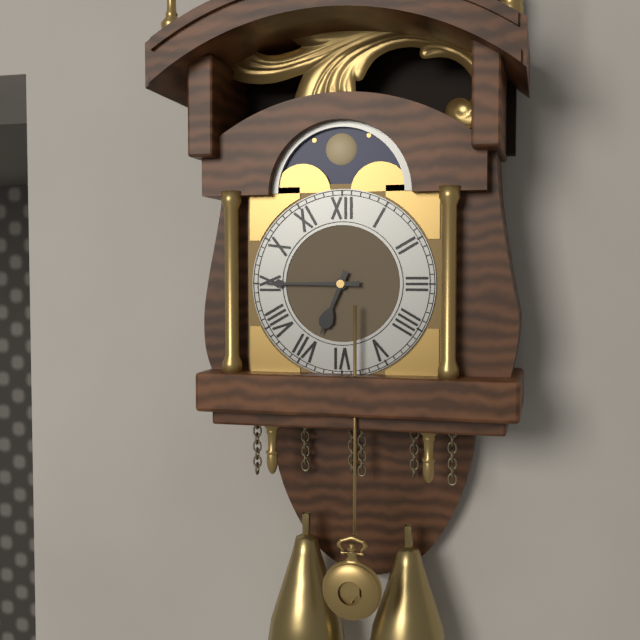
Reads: 6.45
